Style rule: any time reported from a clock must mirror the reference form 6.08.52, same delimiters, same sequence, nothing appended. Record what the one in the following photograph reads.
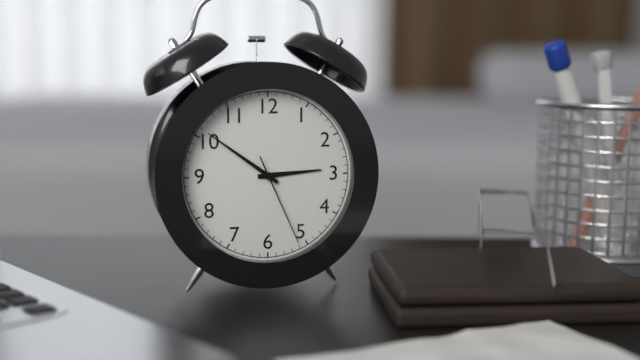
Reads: 2.51.26
